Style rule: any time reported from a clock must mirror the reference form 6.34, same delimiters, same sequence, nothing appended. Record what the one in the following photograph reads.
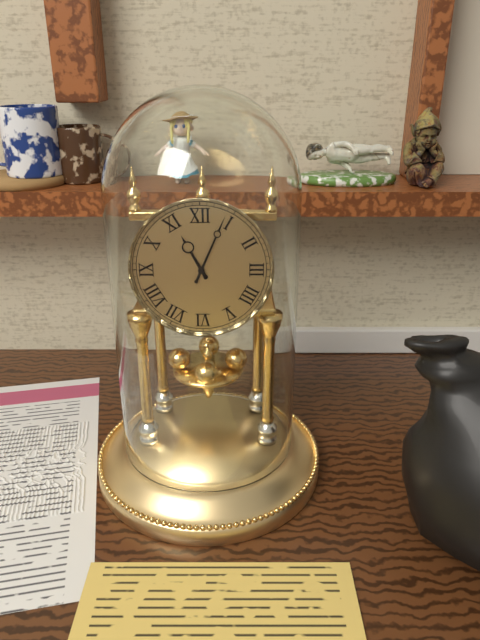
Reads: 11.04
